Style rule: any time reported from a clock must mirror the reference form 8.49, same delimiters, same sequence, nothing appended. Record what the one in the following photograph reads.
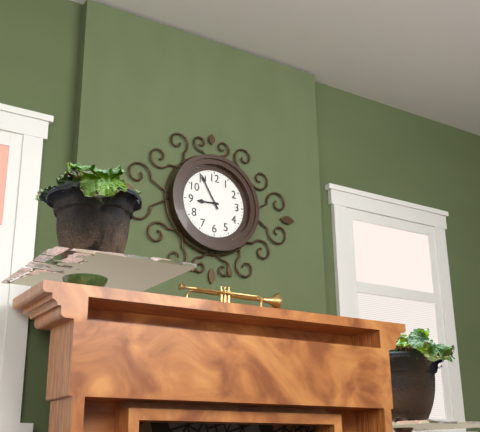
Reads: 8.55
